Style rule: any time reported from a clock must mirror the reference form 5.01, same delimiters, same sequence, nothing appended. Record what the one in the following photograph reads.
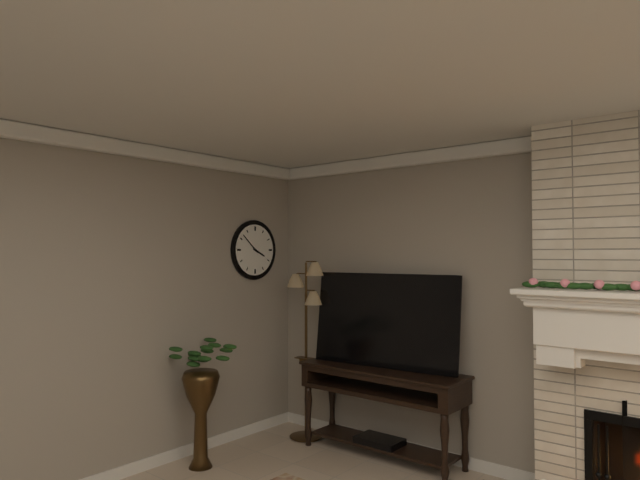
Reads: 3.52
